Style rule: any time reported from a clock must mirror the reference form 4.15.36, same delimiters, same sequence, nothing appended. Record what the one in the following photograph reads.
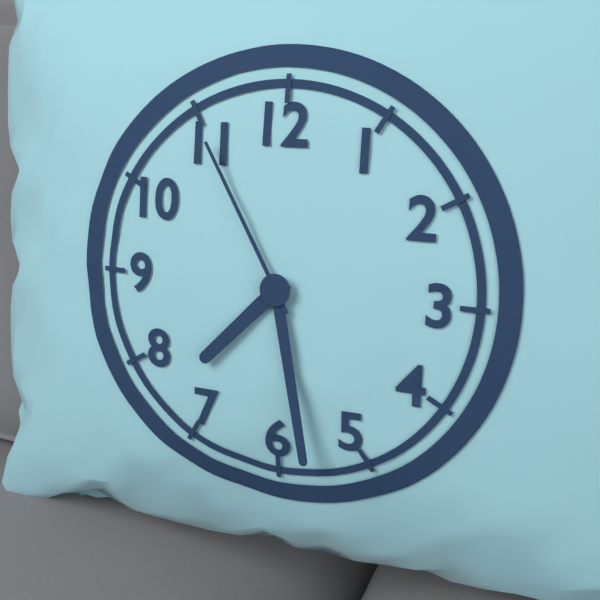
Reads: 7.28.55
